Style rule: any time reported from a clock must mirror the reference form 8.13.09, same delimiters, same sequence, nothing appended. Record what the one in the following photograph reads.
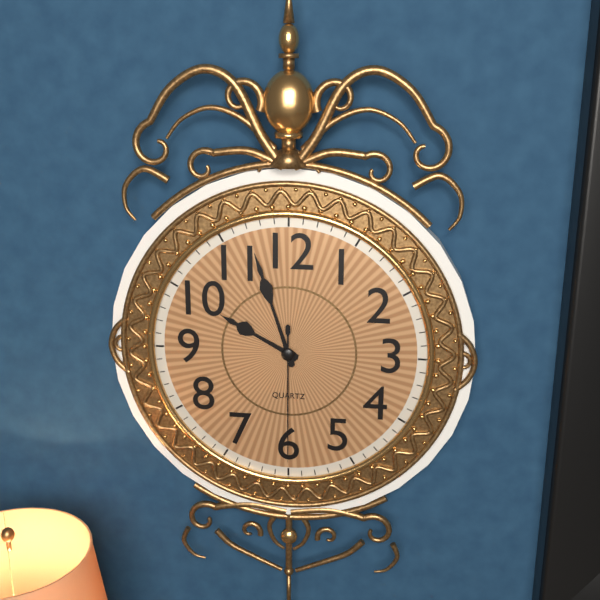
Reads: 9.57.30
